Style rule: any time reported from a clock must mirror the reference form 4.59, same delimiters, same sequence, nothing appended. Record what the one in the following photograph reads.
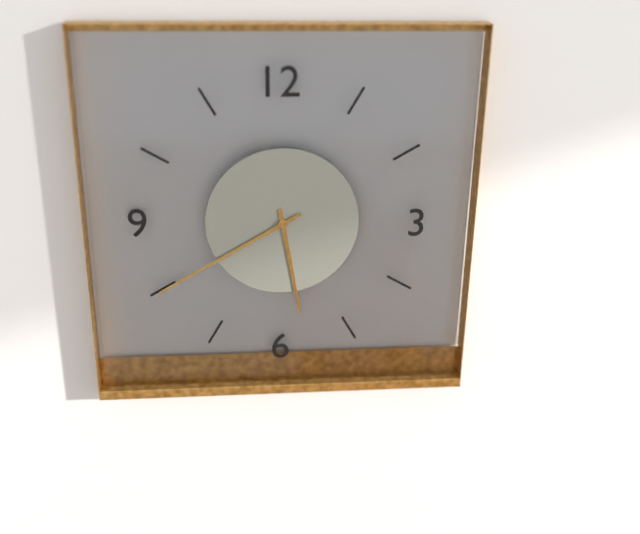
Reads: 5.40
